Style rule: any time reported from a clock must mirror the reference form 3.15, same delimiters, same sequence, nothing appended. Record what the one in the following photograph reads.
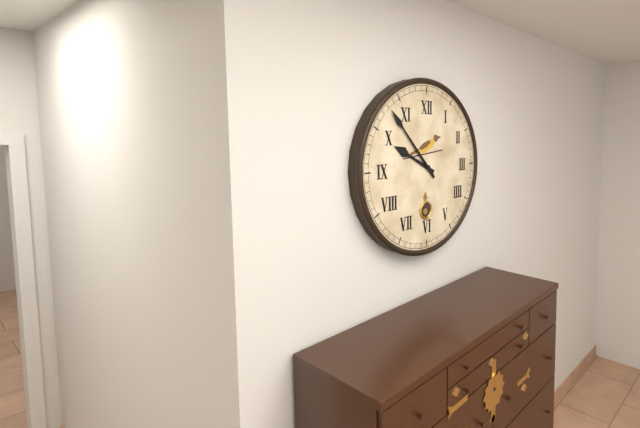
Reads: 9.53
